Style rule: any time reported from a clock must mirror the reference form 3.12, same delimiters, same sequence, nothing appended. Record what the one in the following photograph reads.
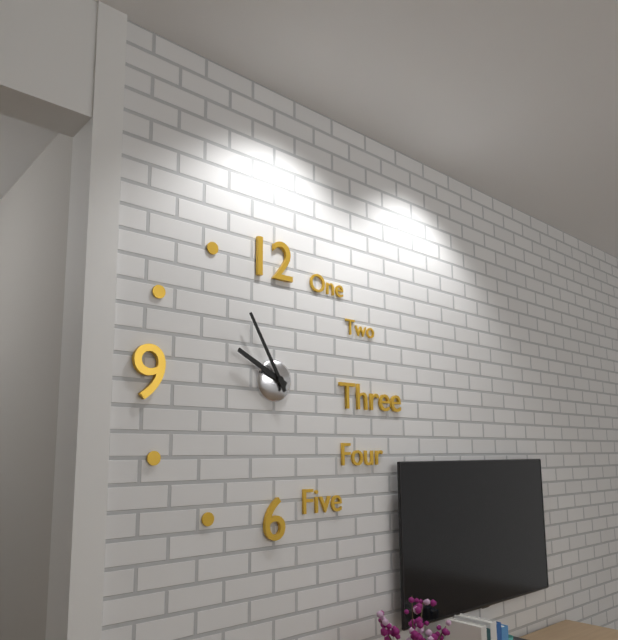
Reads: 9.55
